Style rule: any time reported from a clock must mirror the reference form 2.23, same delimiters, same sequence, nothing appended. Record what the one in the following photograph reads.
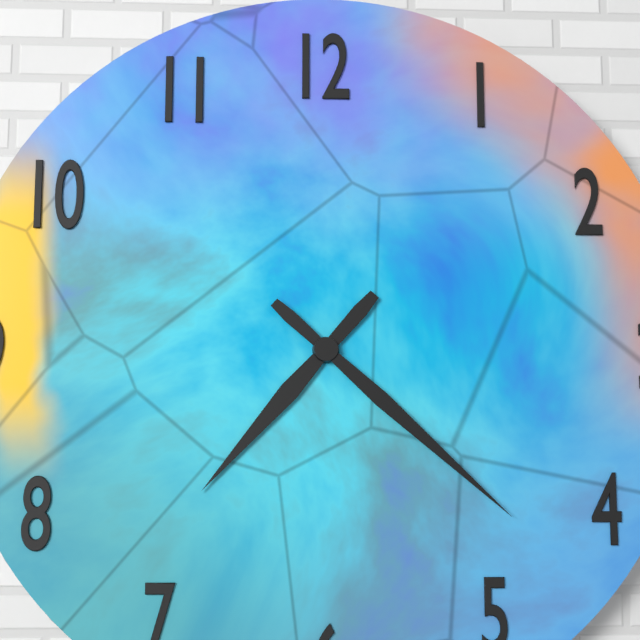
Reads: 7.22
